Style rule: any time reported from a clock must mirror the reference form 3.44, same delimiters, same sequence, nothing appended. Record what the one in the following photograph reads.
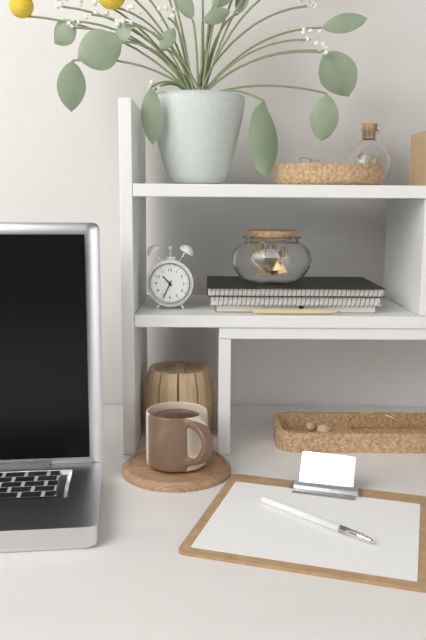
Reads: 10.34
